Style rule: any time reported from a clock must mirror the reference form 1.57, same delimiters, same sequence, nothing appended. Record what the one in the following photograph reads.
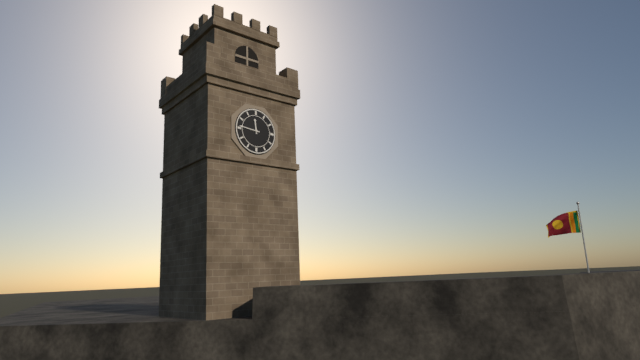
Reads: 11.46
